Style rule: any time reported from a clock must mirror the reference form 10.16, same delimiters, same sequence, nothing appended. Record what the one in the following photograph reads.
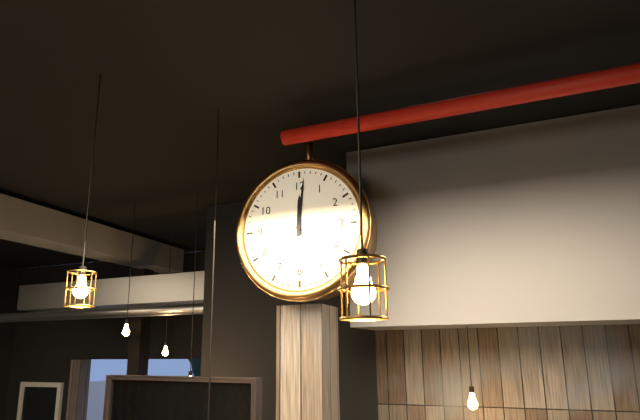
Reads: 12.01
